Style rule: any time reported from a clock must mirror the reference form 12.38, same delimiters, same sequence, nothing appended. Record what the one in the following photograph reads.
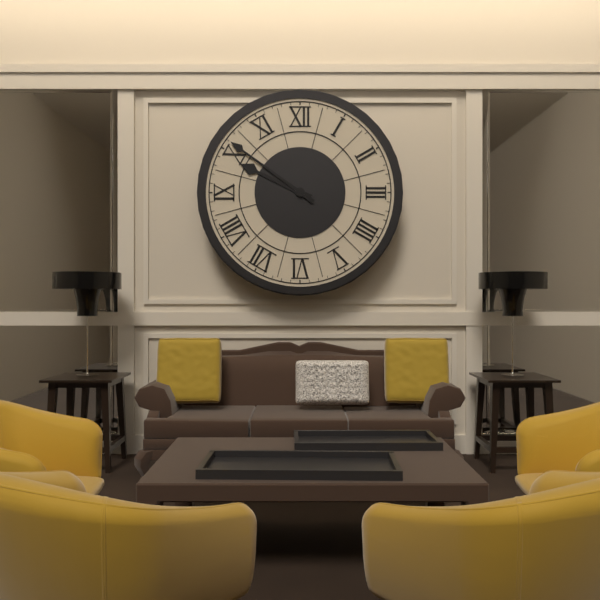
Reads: 9.51
